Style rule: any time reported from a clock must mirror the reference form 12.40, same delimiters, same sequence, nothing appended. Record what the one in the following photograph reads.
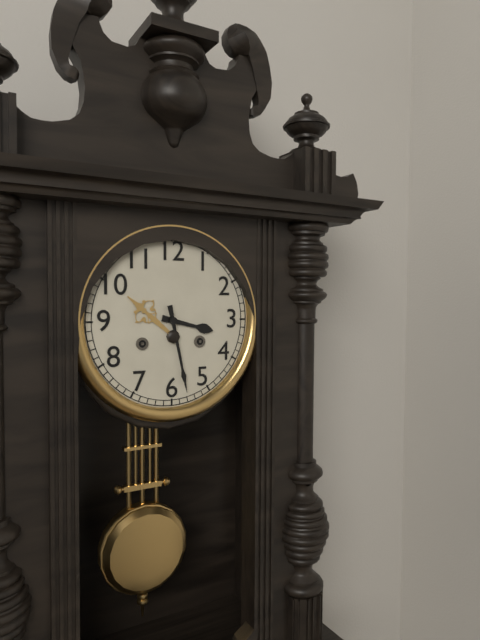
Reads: 3.28
